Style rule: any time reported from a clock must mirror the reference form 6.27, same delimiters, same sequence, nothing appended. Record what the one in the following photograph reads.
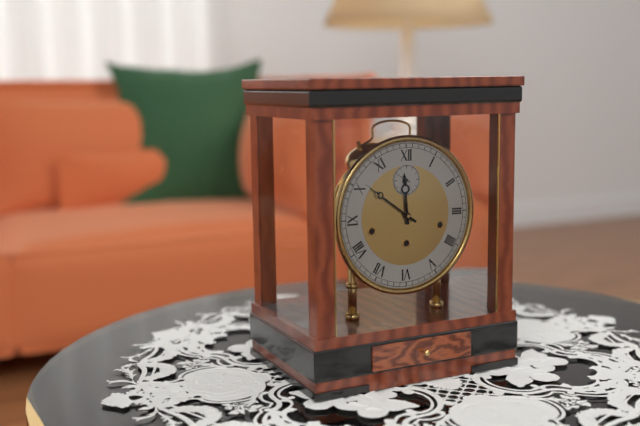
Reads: 11.51
